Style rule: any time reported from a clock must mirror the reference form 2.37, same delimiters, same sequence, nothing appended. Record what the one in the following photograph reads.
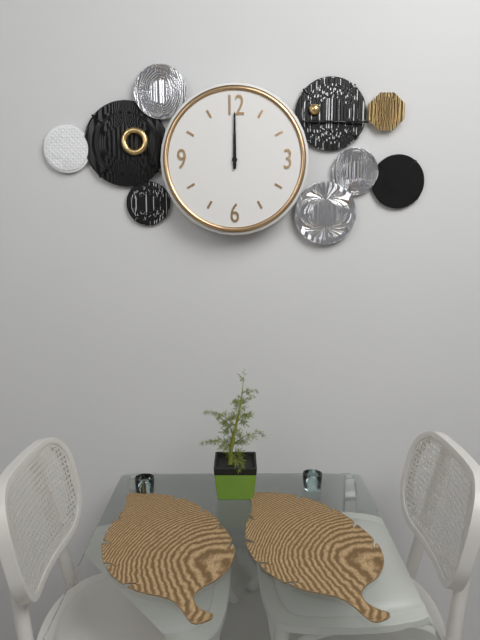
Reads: 12.00
